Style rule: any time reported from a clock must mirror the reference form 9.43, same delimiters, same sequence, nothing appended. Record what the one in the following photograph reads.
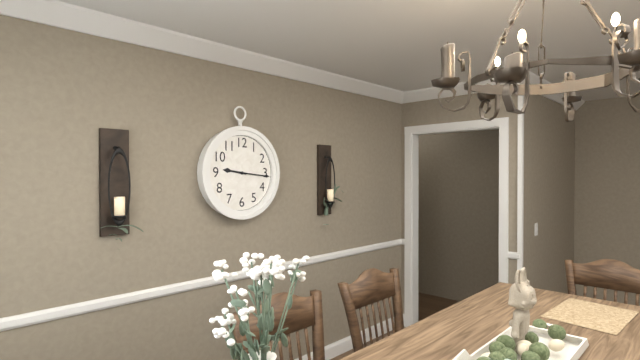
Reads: 9.16
